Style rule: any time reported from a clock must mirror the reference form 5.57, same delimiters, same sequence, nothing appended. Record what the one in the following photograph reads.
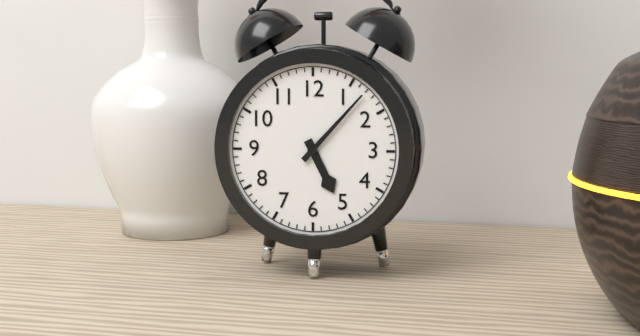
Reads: 5.07
